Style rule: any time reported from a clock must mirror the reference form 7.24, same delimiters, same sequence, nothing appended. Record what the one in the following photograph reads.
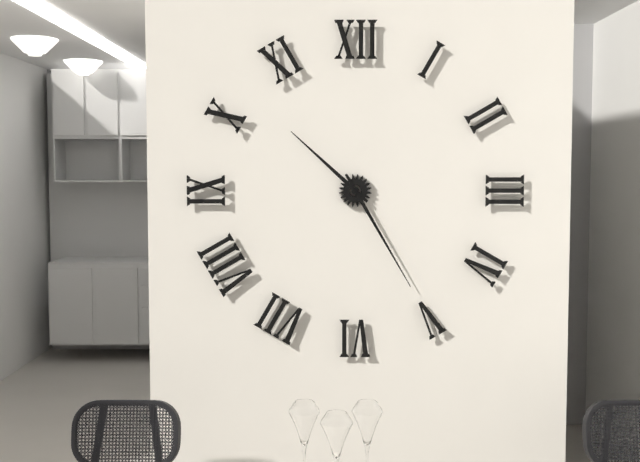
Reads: 10.25
